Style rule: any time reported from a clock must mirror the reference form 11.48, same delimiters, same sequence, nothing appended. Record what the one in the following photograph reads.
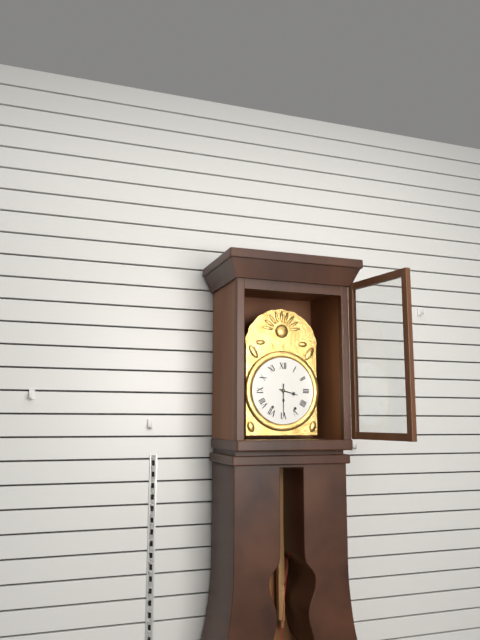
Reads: 3.30
